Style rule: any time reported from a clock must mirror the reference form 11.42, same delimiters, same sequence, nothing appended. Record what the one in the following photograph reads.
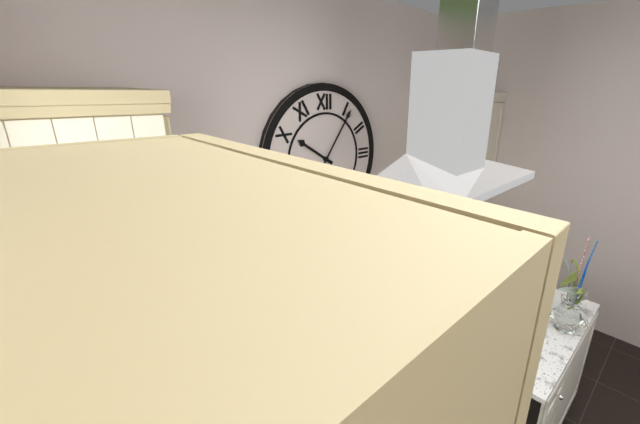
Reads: 10.06
